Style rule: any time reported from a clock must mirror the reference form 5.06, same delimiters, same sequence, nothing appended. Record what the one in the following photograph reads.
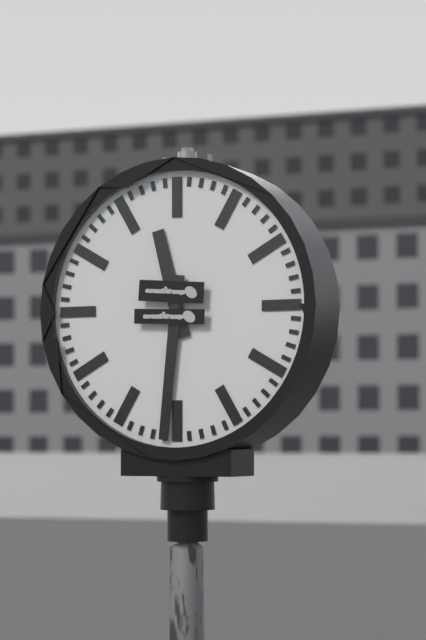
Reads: 11.31
